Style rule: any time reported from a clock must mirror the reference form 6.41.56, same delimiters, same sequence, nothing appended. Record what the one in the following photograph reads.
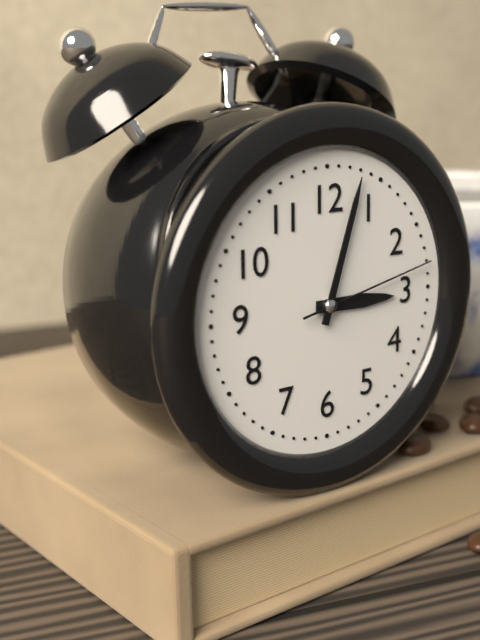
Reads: 3.03.13
